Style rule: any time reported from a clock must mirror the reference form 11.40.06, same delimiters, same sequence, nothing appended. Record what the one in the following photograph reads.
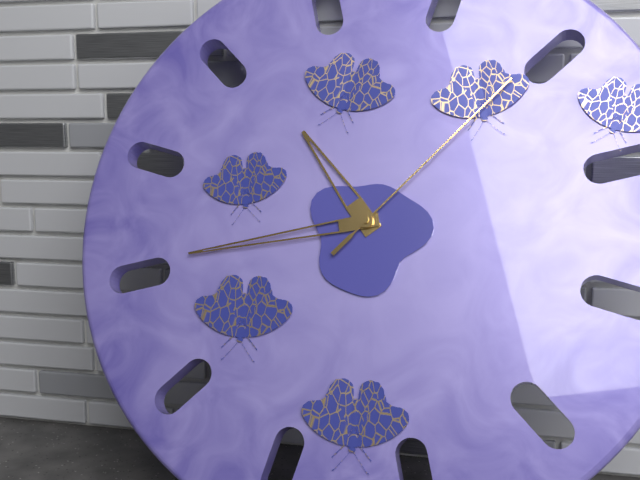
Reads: 10.43.07
